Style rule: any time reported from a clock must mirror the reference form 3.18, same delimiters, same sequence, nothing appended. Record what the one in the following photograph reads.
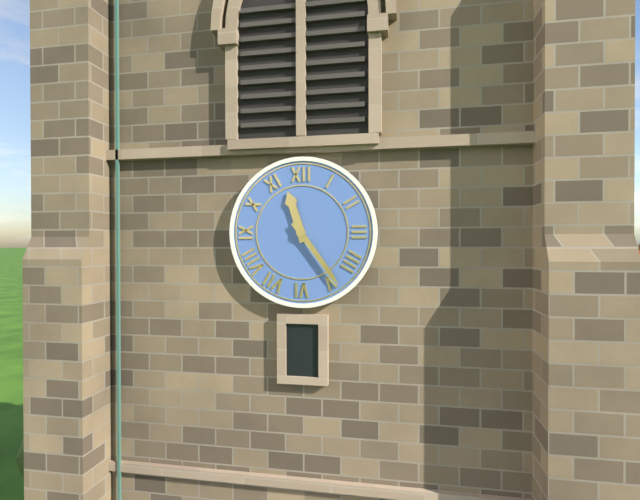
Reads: 11.24
